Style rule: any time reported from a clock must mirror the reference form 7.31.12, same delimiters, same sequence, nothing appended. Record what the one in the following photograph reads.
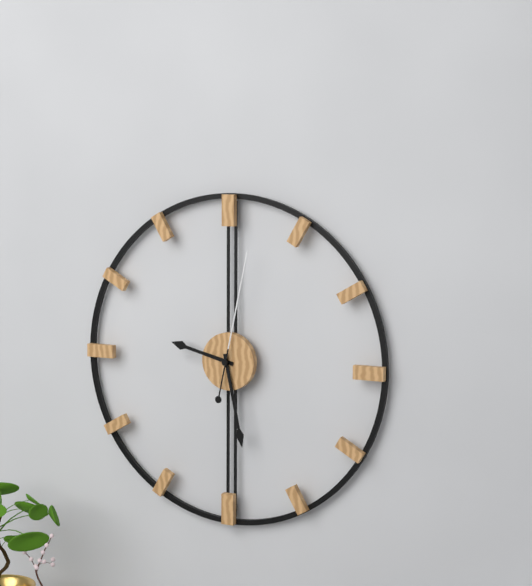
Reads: 9.28.02
